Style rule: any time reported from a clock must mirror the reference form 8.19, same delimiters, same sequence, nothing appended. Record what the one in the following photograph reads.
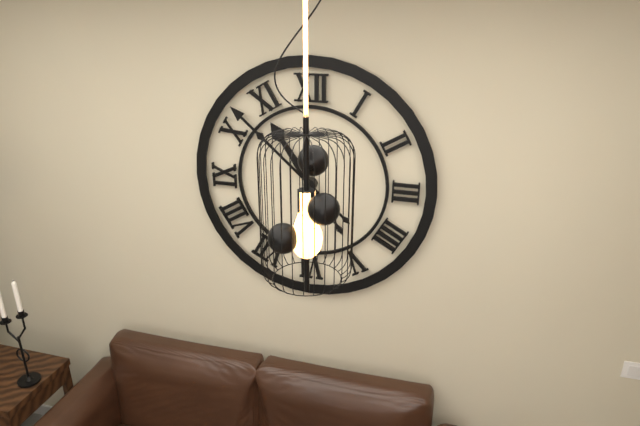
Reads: 10.52
